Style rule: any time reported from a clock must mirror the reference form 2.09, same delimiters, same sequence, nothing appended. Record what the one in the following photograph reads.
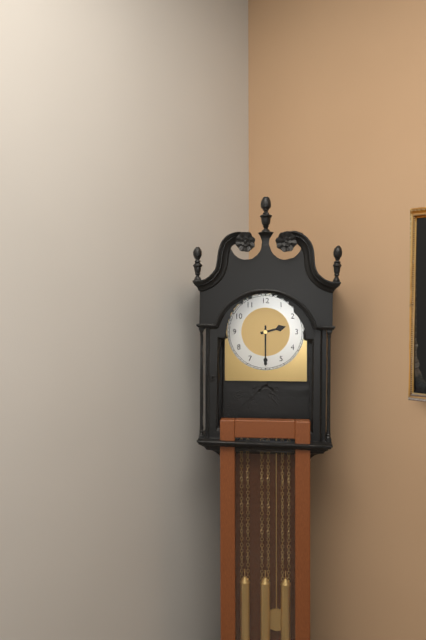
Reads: 2.30
